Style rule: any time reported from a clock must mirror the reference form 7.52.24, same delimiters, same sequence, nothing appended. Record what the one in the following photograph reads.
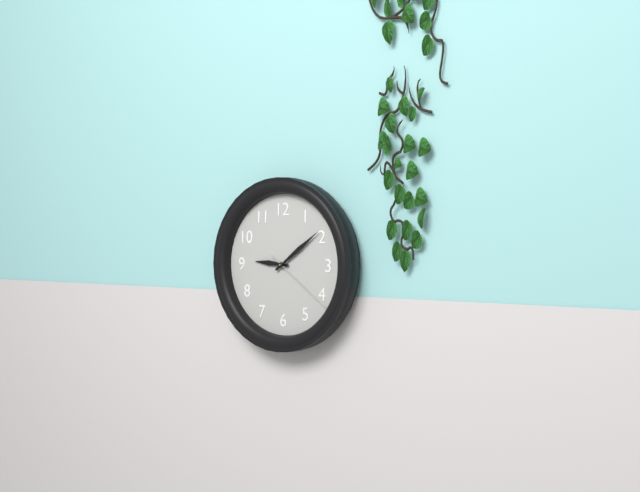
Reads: 9.09.21
